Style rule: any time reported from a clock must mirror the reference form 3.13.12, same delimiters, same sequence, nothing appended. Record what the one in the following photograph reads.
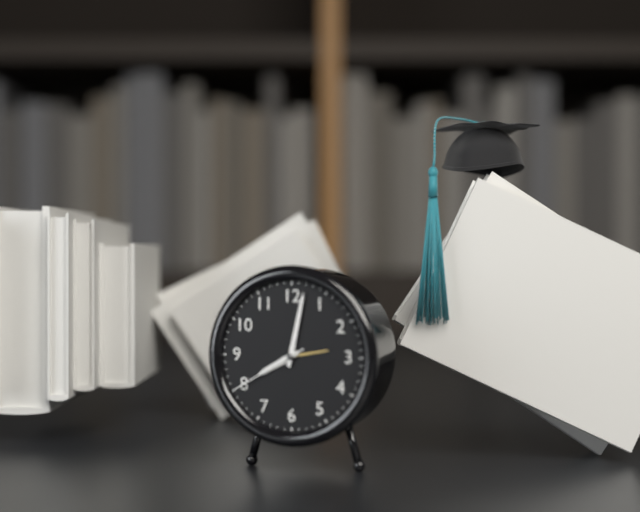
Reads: 8.02.40
